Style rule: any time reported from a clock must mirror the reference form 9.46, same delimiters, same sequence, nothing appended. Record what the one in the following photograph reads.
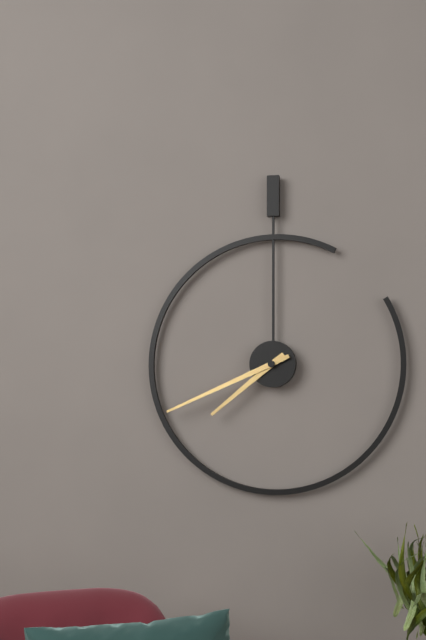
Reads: 7.41
